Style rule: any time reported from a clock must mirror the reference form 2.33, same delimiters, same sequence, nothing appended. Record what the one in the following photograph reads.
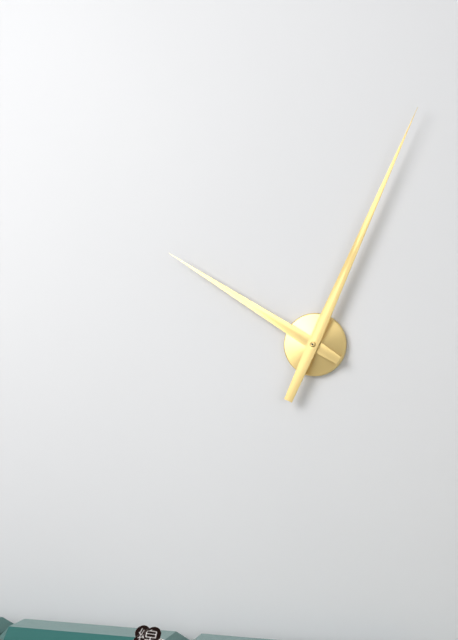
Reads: 10.04
